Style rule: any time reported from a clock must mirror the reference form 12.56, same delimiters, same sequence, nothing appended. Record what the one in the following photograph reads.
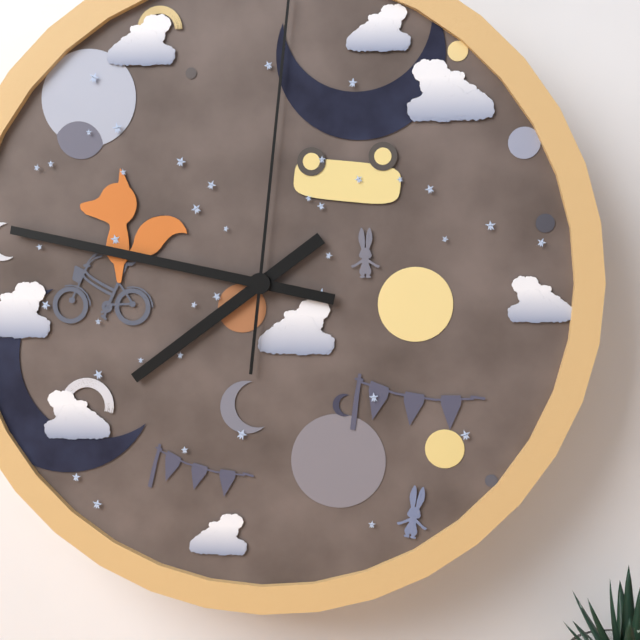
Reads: 7.47
